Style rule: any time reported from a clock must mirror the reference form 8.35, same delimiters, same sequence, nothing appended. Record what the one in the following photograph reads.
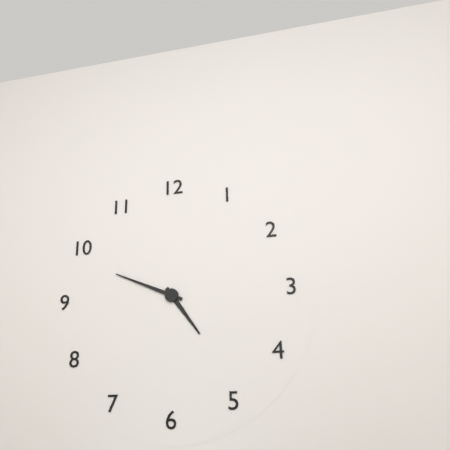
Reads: 4.49
